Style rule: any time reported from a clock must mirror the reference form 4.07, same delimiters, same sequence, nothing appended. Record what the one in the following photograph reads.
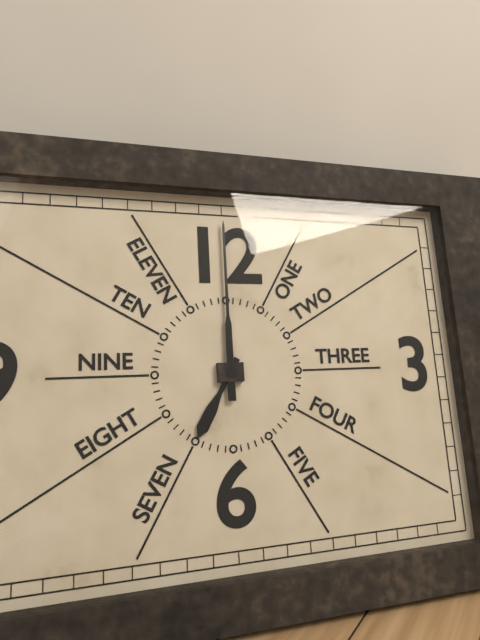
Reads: 7.00
